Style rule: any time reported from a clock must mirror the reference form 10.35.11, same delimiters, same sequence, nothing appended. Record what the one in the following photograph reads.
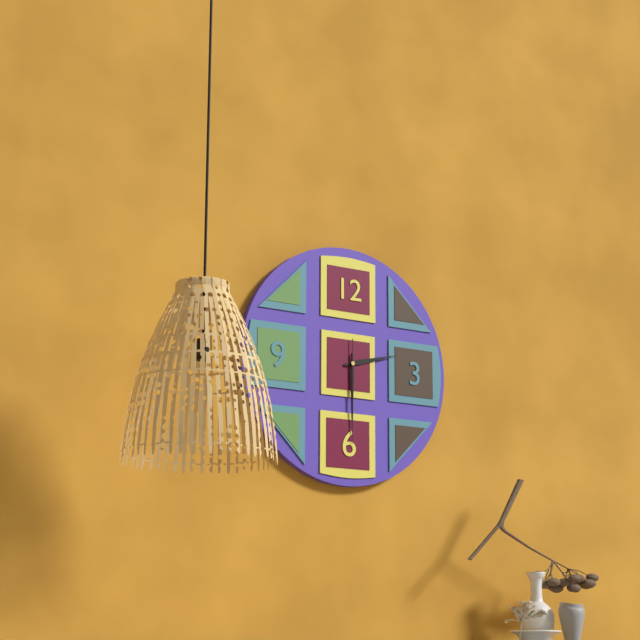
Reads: 2.30.30
